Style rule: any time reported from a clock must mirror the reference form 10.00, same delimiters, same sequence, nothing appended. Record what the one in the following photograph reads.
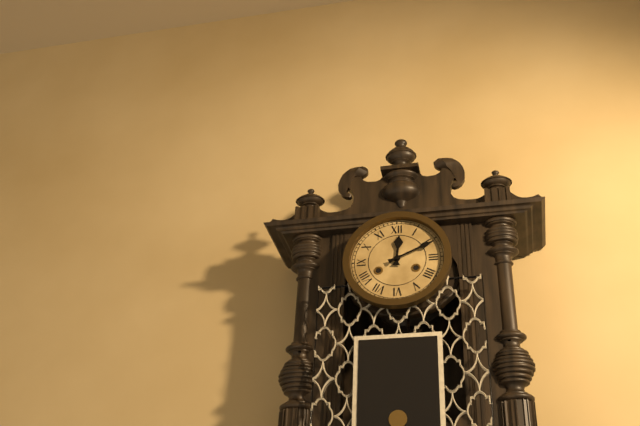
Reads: 12.11
